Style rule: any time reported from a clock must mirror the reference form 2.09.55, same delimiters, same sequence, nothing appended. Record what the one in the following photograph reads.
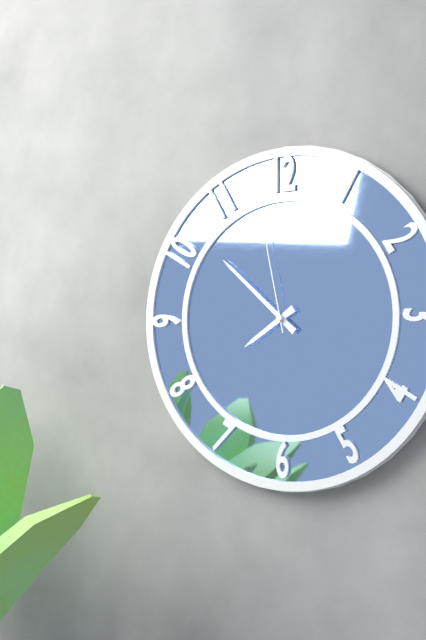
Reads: 7.52.58
